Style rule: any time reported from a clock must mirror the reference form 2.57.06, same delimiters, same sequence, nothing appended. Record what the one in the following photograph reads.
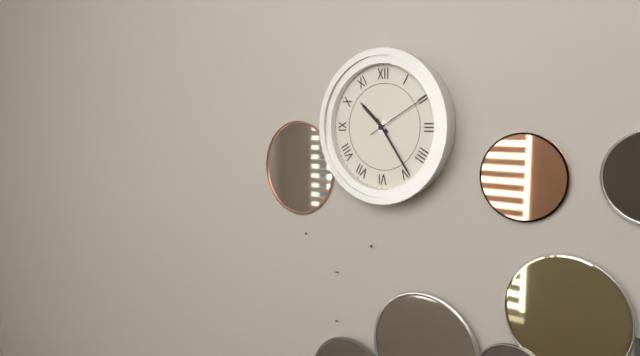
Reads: 10.24.10
